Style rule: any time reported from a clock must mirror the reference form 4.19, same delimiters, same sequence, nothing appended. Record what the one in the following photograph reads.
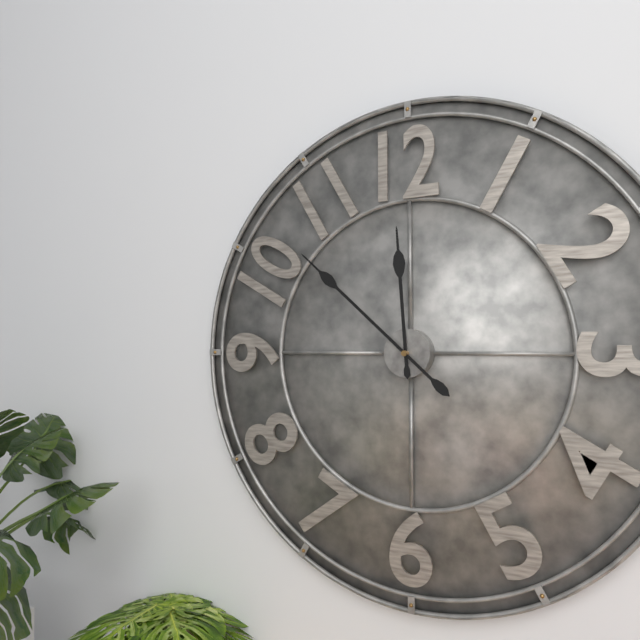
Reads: 11.52
